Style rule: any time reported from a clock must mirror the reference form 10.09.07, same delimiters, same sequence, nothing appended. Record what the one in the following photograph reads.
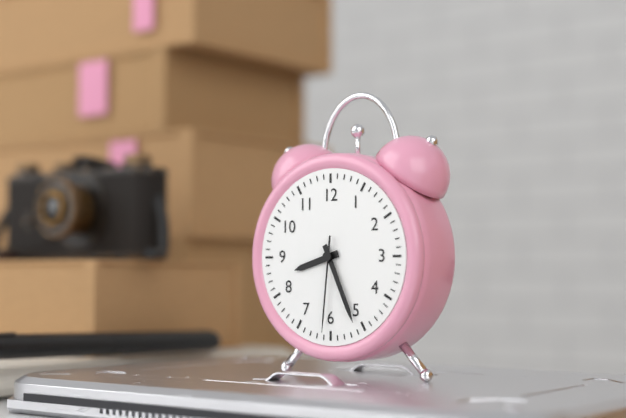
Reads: 8.26.31
